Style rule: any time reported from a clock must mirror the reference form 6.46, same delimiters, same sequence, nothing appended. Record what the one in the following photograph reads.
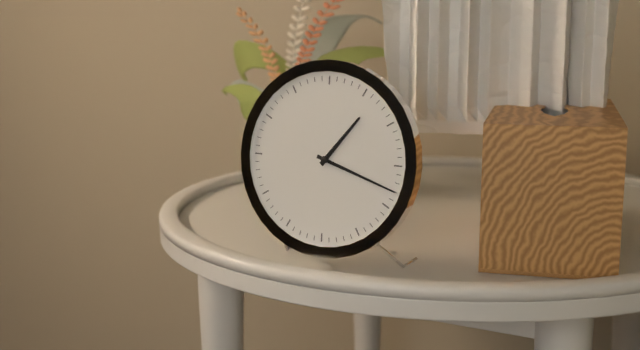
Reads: 1.18
